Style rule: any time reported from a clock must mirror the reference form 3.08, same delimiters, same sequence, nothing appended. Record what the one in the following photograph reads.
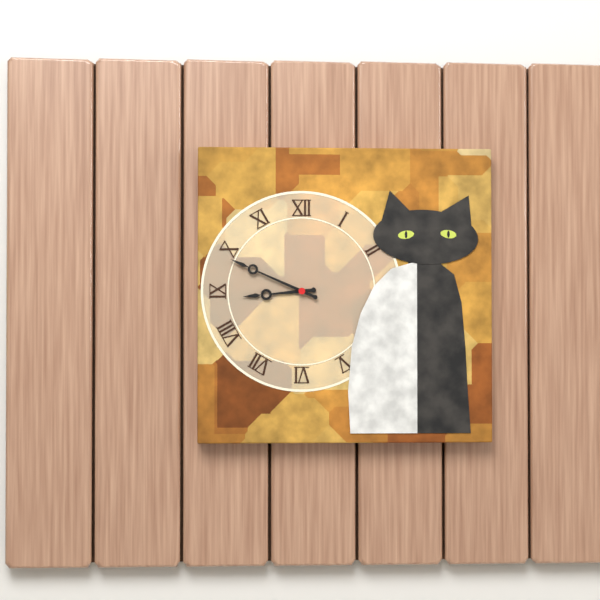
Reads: 8.49
